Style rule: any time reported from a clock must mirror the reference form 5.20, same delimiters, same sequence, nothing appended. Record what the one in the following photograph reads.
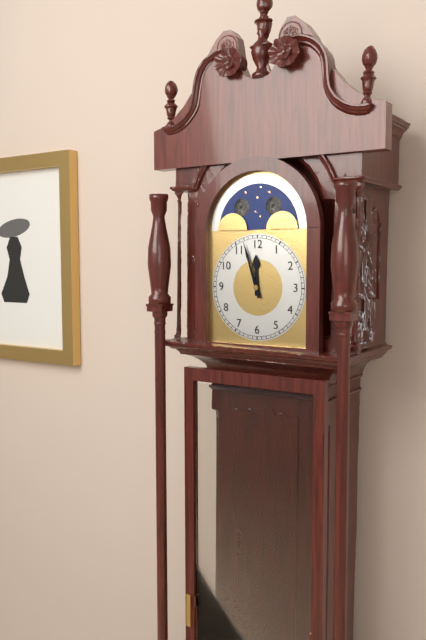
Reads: 11.57
